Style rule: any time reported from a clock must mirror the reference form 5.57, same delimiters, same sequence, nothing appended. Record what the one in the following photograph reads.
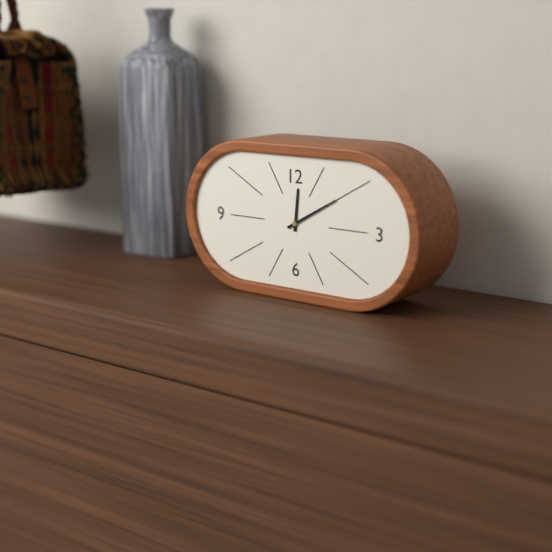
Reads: 12.10
